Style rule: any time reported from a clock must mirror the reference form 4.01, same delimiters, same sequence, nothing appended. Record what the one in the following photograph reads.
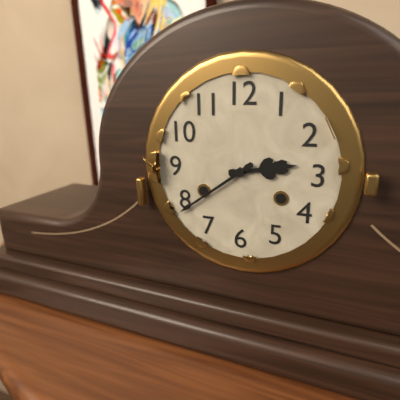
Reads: 2.39
